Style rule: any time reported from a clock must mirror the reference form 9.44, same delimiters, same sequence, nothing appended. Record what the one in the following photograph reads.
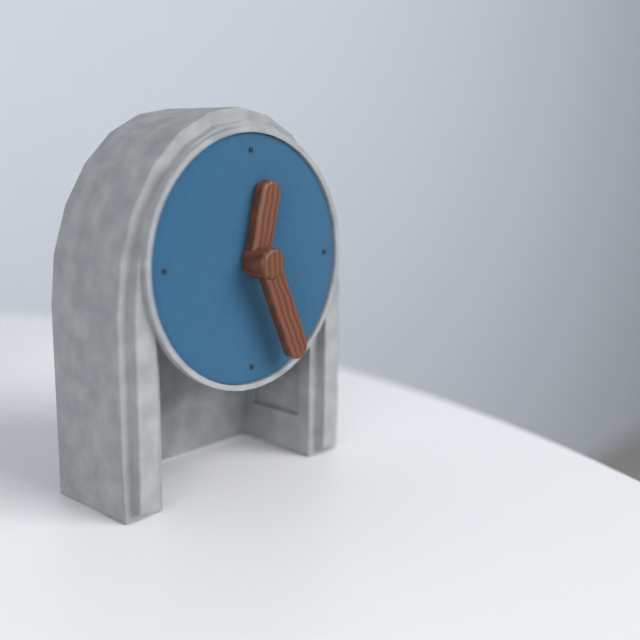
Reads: 12.26
